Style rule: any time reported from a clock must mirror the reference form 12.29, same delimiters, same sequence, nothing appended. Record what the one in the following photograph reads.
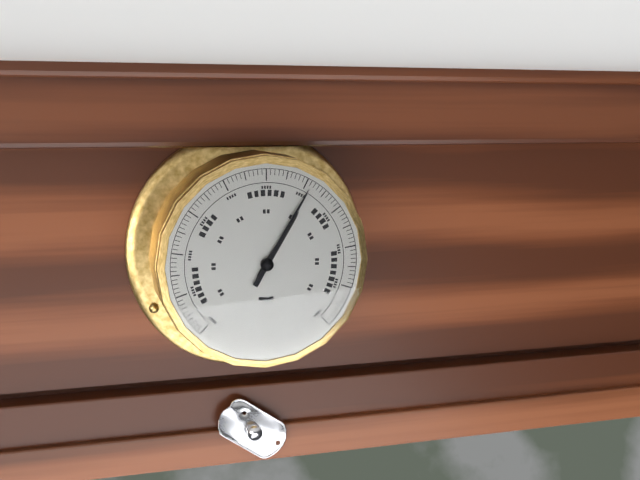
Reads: 1.05
